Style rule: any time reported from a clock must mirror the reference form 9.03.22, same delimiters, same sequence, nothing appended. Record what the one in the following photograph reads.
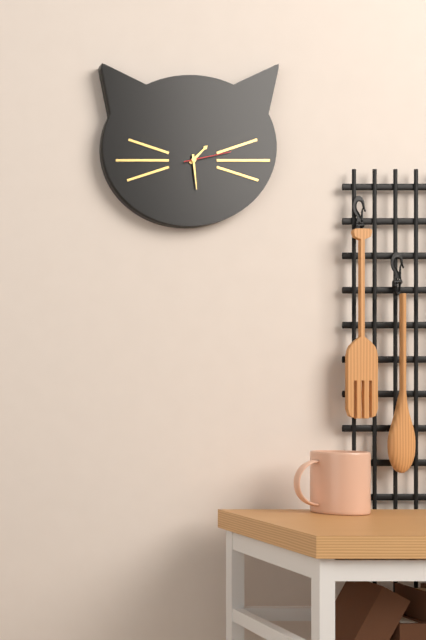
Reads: 1.29.13
